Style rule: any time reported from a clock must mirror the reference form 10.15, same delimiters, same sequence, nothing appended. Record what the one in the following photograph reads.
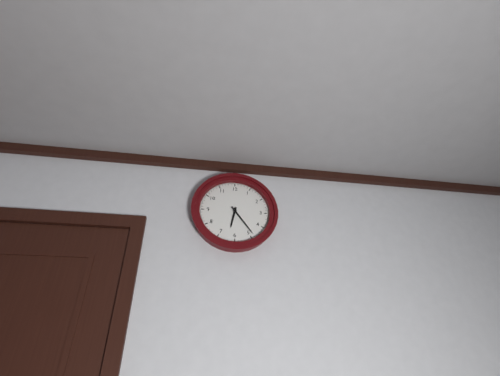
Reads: 6.24
